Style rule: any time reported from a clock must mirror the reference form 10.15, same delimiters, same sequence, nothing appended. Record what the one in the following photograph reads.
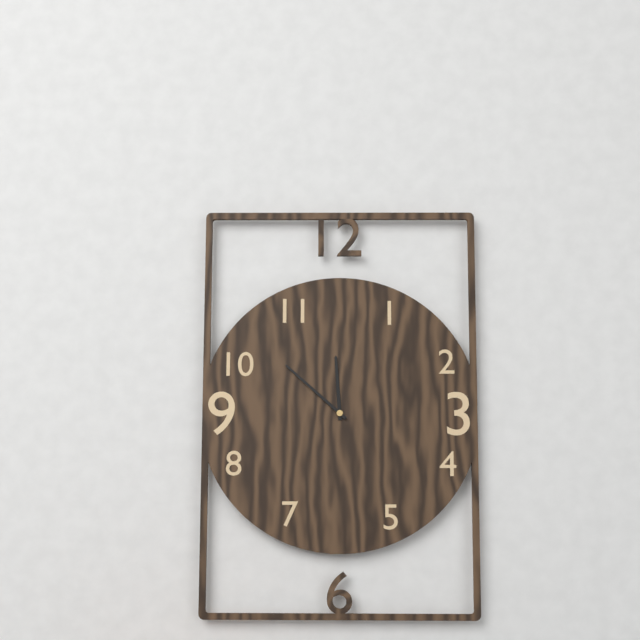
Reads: 11.52
